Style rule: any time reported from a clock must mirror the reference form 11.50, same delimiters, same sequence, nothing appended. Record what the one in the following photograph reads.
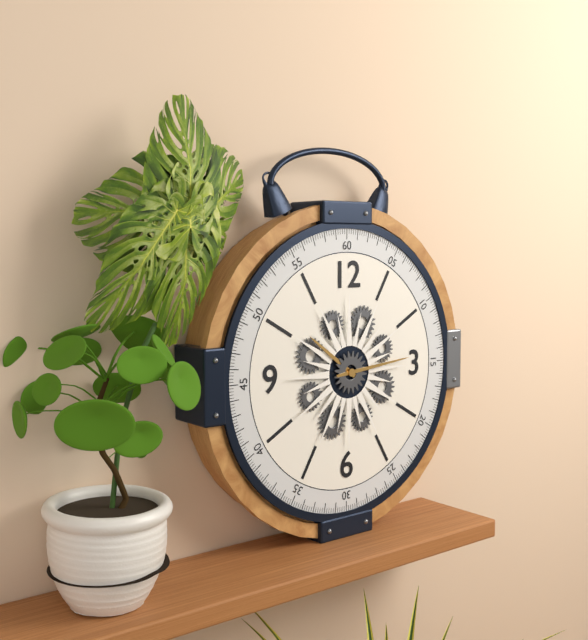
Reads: 10.14
